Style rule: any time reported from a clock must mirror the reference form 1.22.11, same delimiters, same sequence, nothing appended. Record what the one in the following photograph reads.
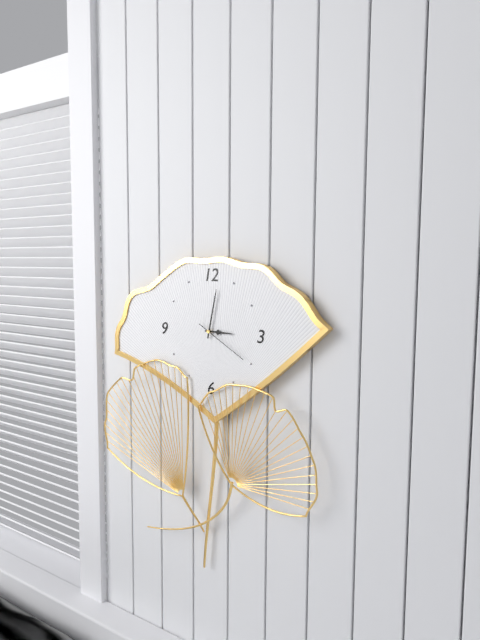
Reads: 3.02.20
